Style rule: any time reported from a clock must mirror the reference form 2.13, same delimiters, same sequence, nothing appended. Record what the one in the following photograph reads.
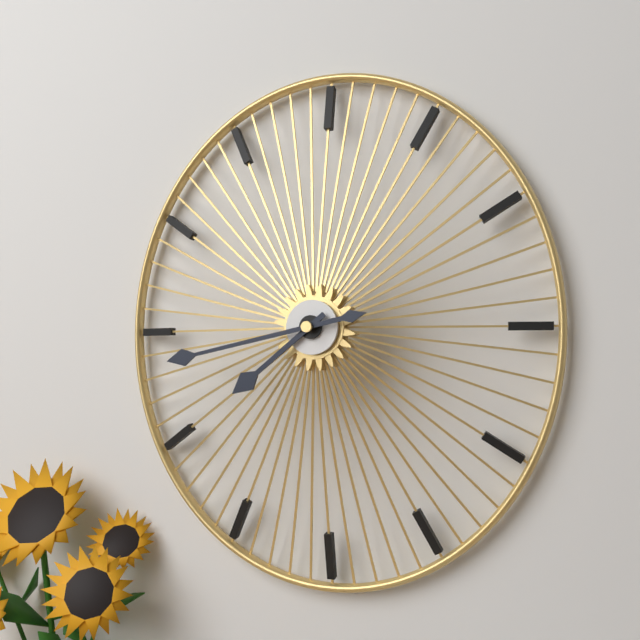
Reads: 7.43
